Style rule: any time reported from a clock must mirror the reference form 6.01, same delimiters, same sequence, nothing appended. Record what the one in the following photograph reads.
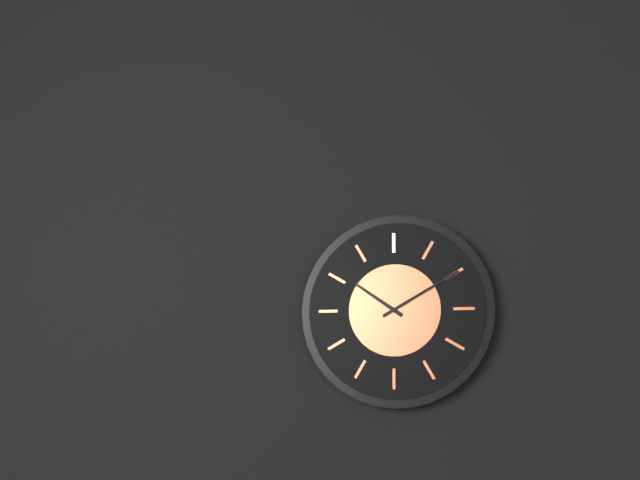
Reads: 10.10
